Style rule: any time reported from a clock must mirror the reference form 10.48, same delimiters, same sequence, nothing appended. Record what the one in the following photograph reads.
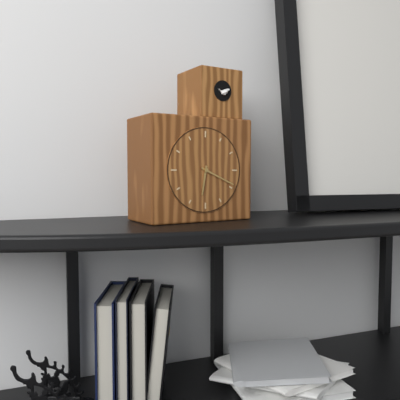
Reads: 6.19
